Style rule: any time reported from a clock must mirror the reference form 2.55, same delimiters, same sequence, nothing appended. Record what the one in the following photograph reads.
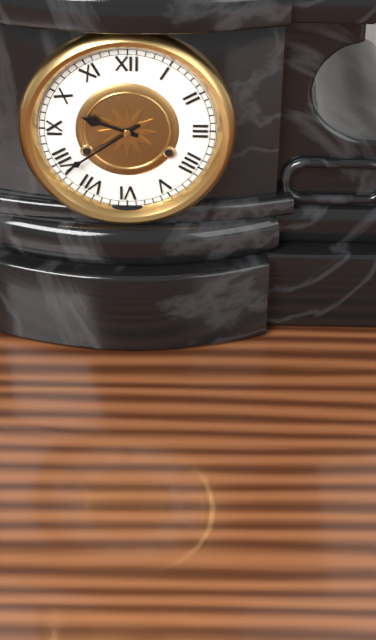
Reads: 9.39
